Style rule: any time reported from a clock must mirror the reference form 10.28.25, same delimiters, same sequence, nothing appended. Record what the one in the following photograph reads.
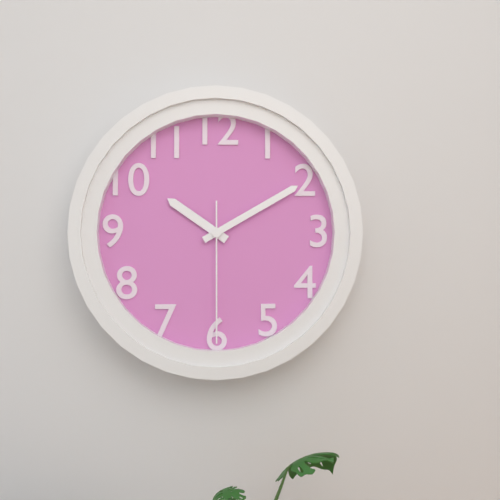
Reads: 10.10.30
